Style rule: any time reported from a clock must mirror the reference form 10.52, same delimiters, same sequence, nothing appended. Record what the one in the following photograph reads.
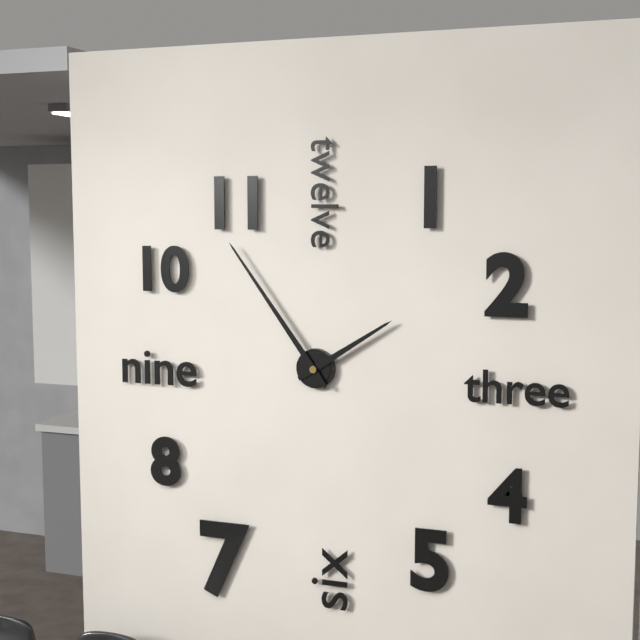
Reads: 1.54
